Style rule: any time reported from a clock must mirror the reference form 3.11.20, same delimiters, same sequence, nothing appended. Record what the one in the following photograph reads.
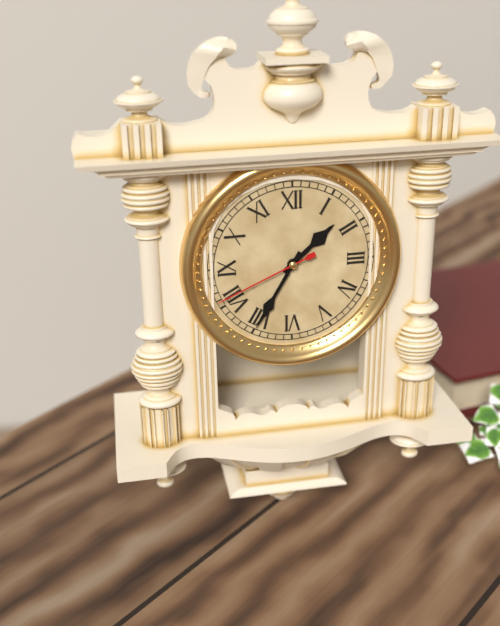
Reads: 1.35.41
